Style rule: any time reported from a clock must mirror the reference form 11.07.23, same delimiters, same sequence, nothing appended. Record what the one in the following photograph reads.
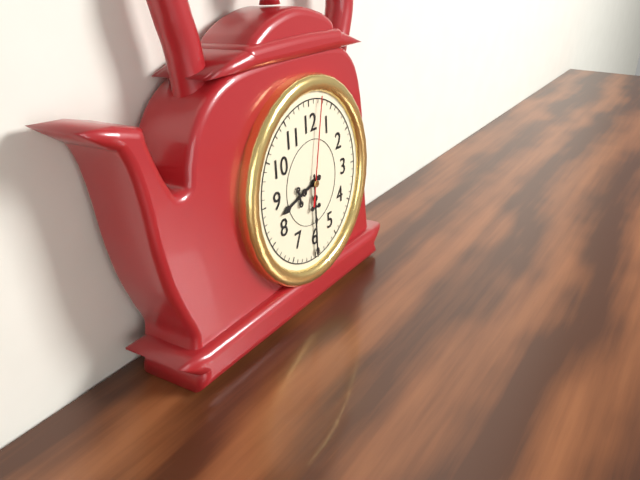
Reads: 8.30.02
